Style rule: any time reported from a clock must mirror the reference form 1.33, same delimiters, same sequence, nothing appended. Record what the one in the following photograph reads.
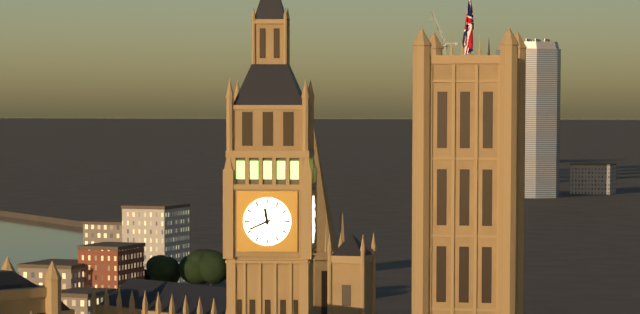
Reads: 11.41
